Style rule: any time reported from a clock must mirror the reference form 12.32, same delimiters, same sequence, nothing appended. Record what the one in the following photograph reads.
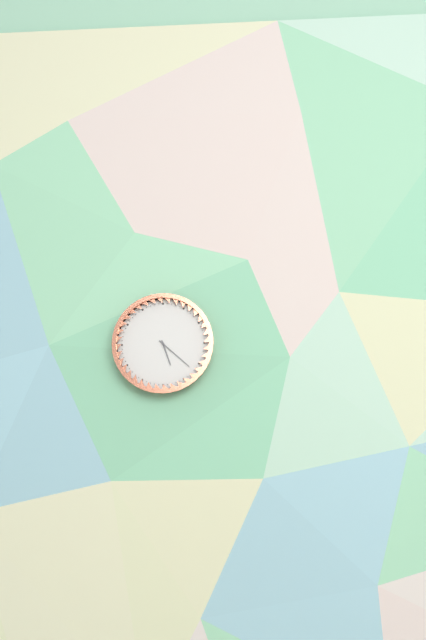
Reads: 5.22
